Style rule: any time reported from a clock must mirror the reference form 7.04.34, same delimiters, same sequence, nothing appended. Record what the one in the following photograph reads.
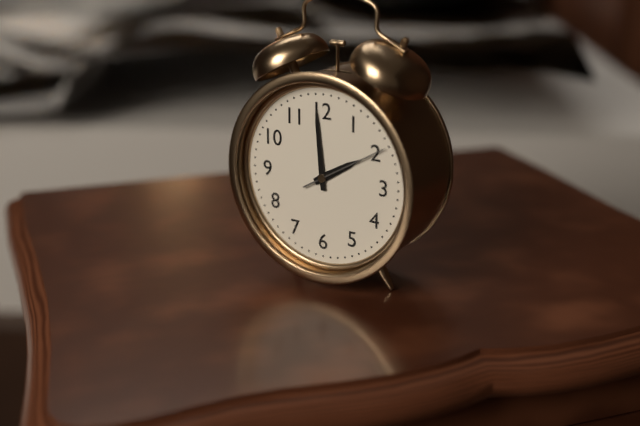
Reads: 1.59.10
